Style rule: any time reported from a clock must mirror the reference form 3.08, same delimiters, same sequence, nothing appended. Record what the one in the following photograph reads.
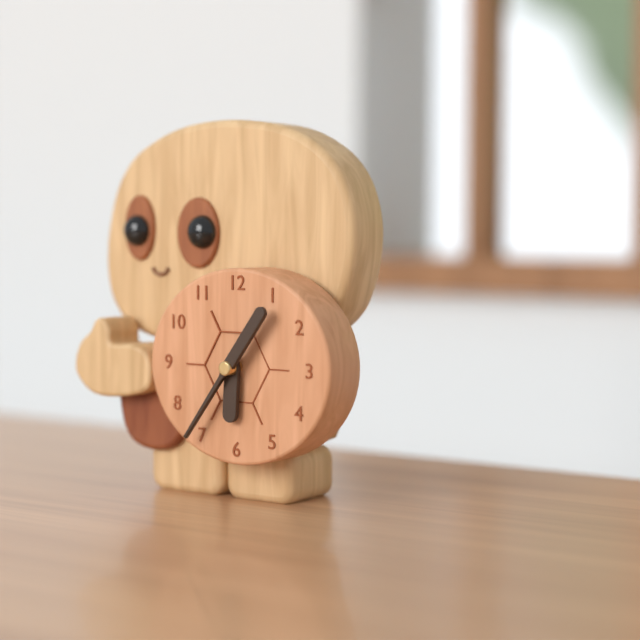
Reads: 6.06
